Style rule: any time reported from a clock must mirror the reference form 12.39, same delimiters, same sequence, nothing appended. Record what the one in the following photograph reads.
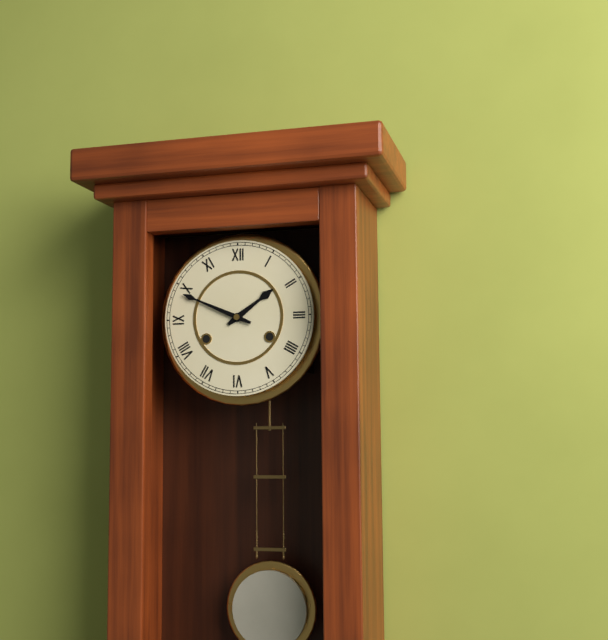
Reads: 1.49
